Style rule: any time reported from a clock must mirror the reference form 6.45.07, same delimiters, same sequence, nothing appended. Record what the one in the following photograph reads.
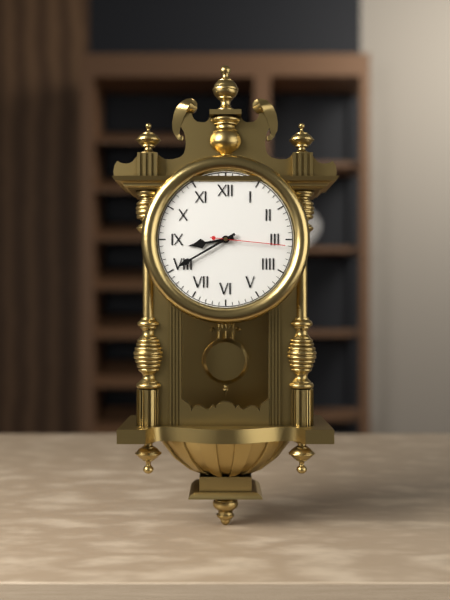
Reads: 8.40.16
